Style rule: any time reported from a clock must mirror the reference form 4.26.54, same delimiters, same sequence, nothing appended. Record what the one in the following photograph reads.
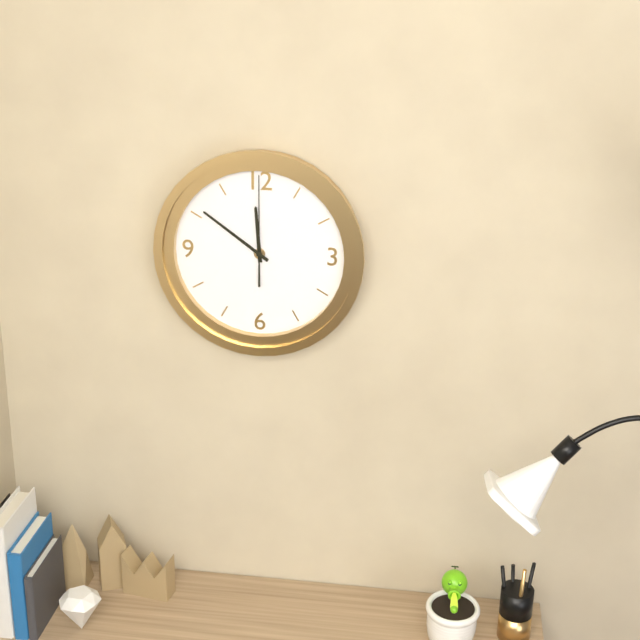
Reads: 11.51.00
